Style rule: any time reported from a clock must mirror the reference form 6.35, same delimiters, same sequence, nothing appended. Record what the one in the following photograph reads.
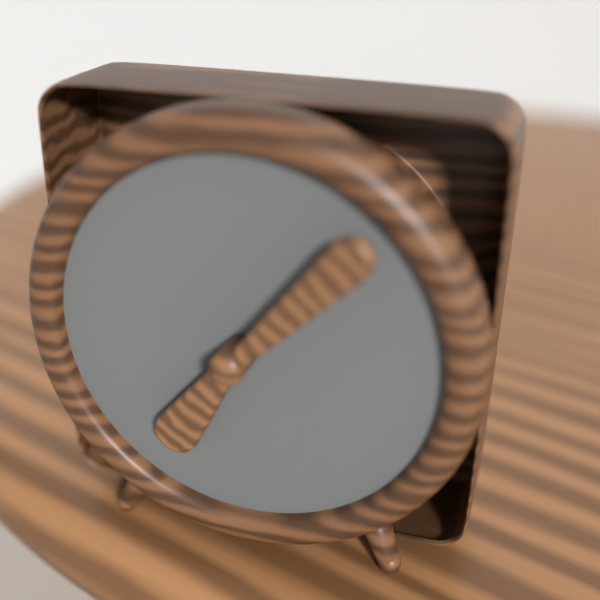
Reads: 7.07
